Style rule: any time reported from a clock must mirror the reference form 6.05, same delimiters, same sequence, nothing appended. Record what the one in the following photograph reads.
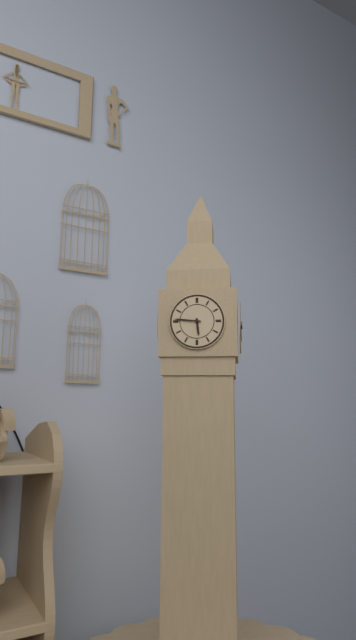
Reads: 5.46
